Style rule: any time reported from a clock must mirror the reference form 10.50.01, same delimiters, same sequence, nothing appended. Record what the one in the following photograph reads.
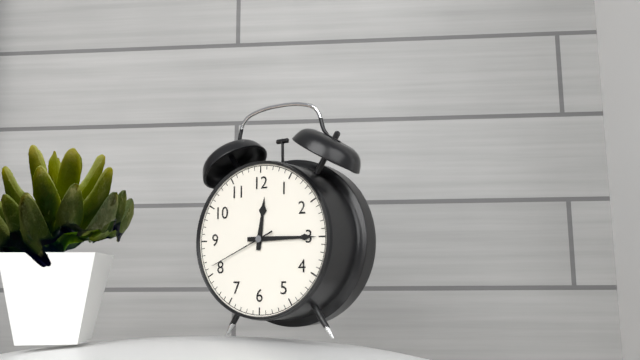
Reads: 12.15.41
